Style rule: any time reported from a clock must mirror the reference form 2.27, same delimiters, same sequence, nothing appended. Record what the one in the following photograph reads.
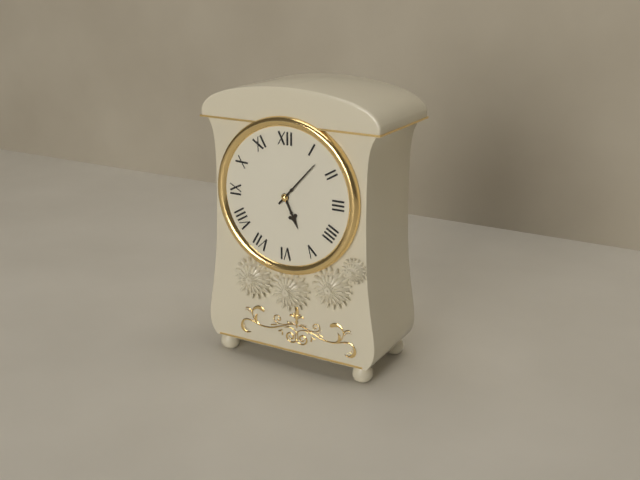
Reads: 5.07
